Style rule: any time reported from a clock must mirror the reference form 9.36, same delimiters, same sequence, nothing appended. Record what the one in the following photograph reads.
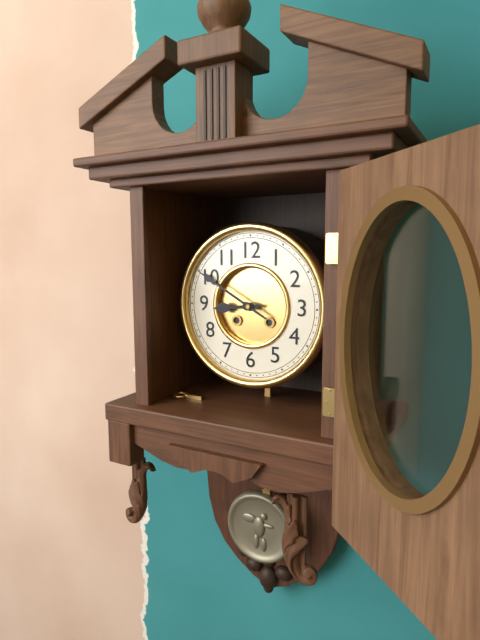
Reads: 8.50
